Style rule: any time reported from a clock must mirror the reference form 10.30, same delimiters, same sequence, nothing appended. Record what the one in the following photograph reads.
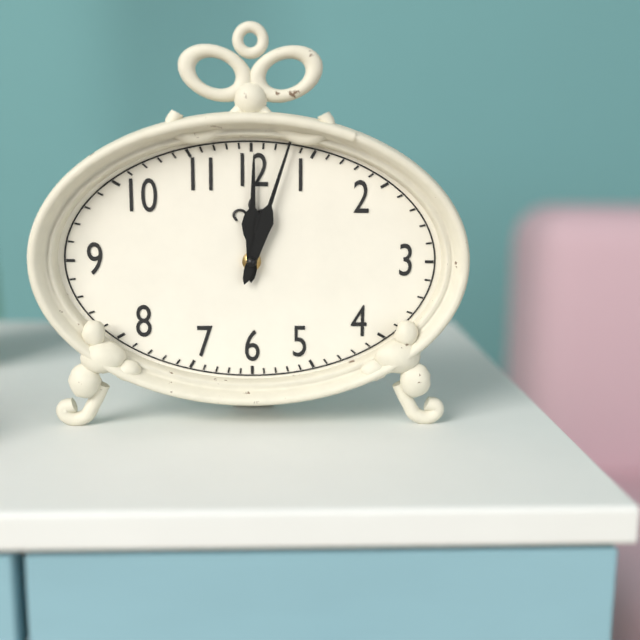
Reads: 12.03
